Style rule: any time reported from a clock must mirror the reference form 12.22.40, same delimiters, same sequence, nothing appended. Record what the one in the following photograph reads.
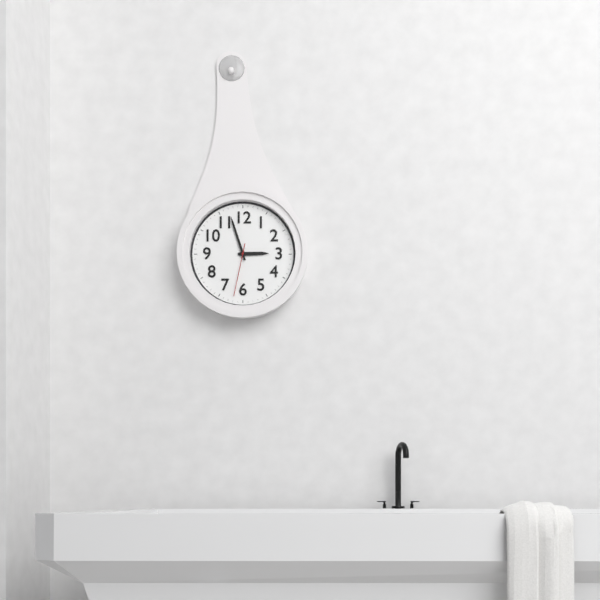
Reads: 2.57.32
